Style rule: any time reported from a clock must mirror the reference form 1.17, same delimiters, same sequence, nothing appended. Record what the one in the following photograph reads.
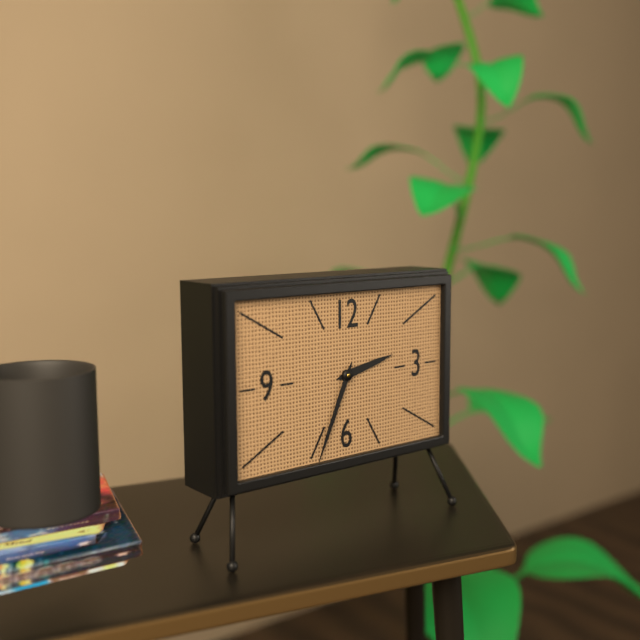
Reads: 2.34
